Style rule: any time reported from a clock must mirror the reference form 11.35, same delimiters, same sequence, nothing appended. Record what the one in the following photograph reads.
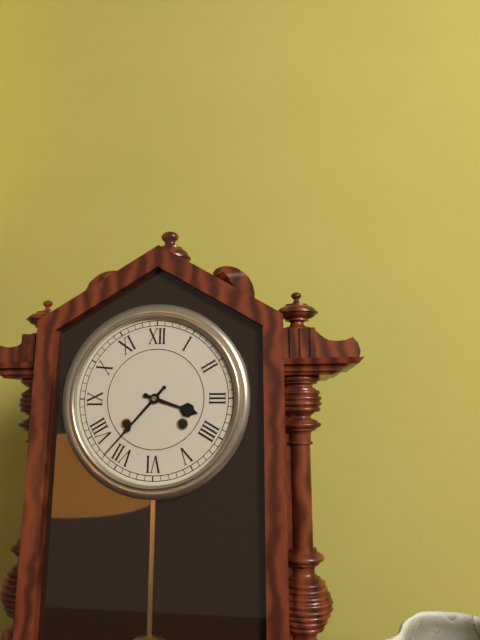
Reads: 3.37
